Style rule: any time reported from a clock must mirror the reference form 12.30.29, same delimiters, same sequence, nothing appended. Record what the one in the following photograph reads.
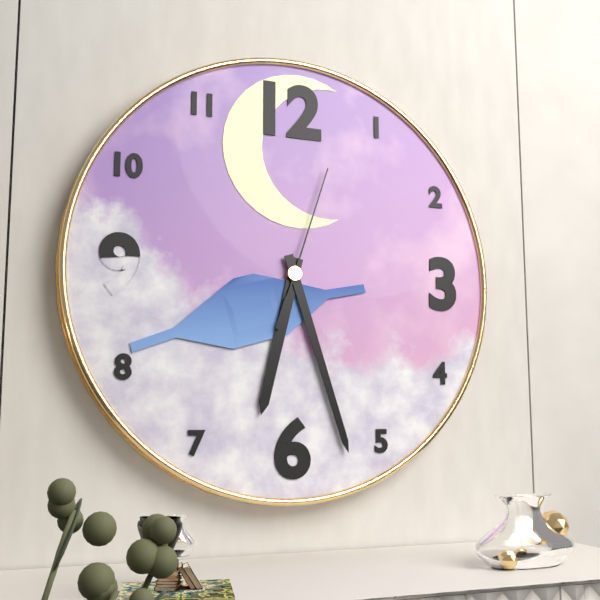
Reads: 6.27.03
